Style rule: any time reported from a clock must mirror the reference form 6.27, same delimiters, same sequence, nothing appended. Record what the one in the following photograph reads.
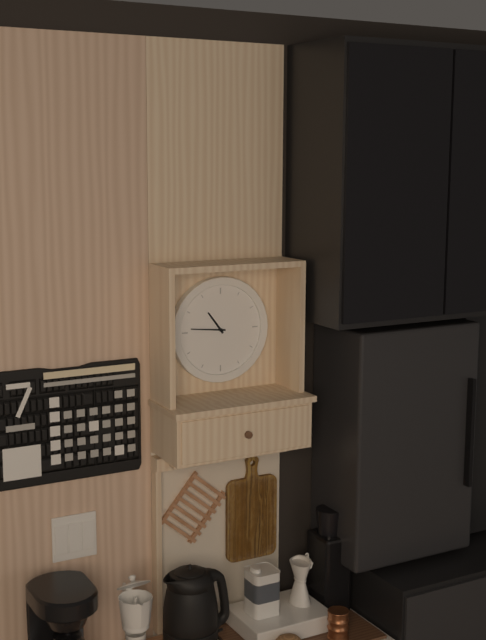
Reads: 10.46
